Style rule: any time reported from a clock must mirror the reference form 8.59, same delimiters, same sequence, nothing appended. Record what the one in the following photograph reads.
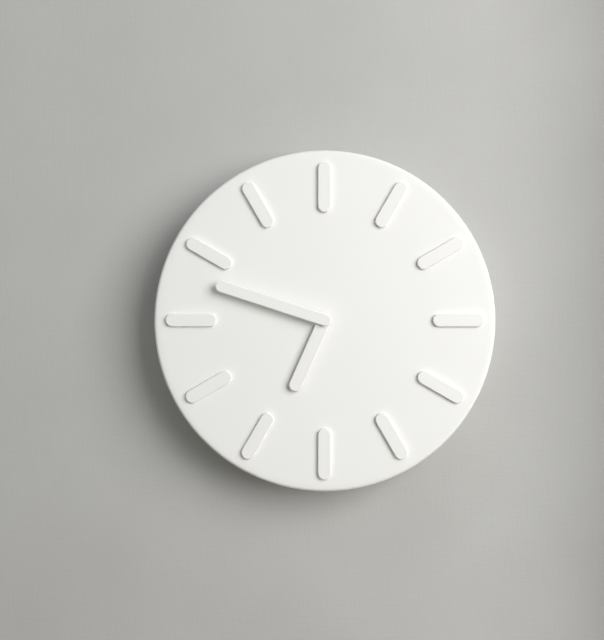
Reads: 6.48
